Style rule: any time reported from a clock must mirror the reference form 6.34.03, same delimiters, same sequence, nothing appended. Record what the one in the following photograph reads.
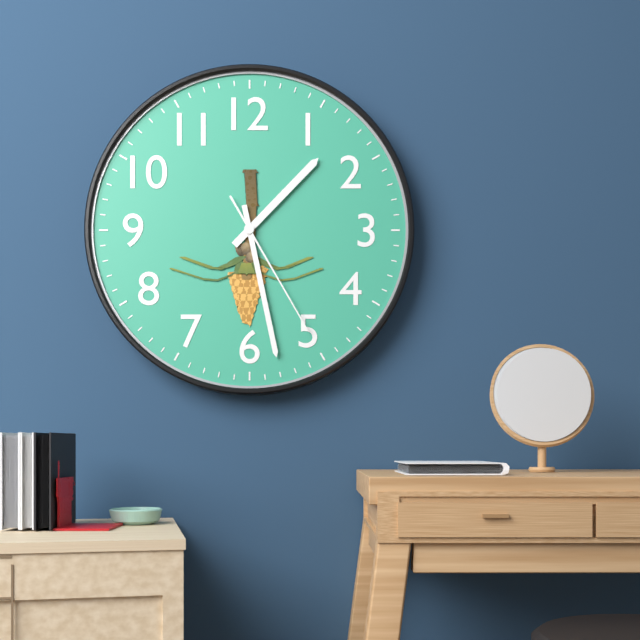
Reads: 1.28.25
